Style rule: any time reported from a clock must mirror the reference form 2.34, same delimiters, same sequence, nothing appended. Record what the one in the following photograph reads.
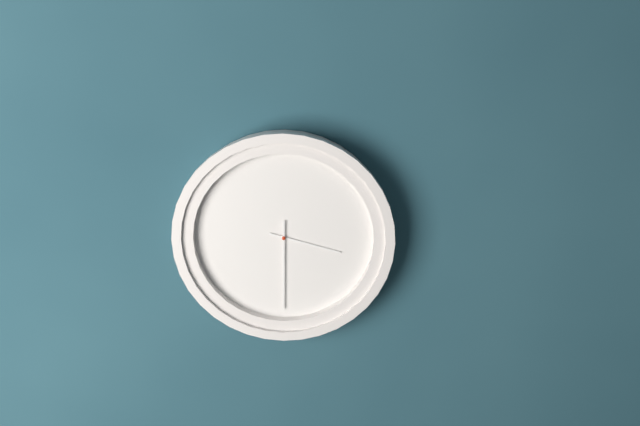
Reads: 3.30
